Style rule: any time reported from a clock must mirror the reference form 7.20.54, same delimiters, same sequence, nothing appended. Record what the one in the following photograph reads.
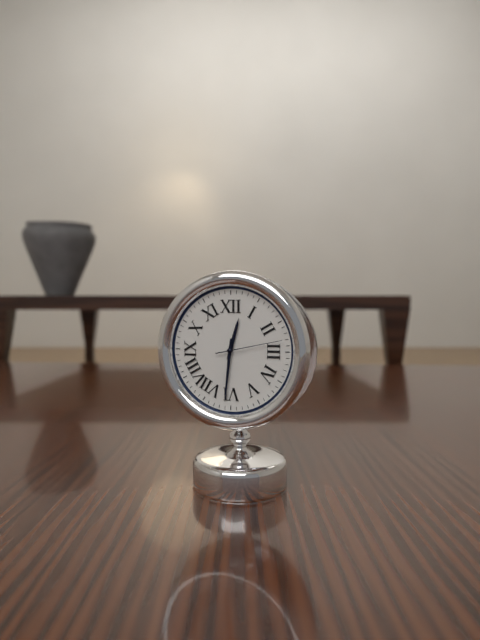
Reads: 12.31.13
